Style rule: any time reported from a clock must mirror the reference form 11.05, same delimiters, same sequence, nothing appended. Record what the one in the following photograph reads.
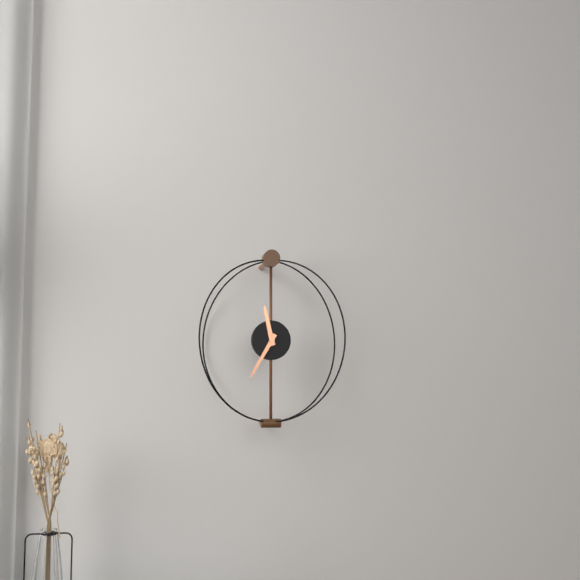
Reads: 11.35
